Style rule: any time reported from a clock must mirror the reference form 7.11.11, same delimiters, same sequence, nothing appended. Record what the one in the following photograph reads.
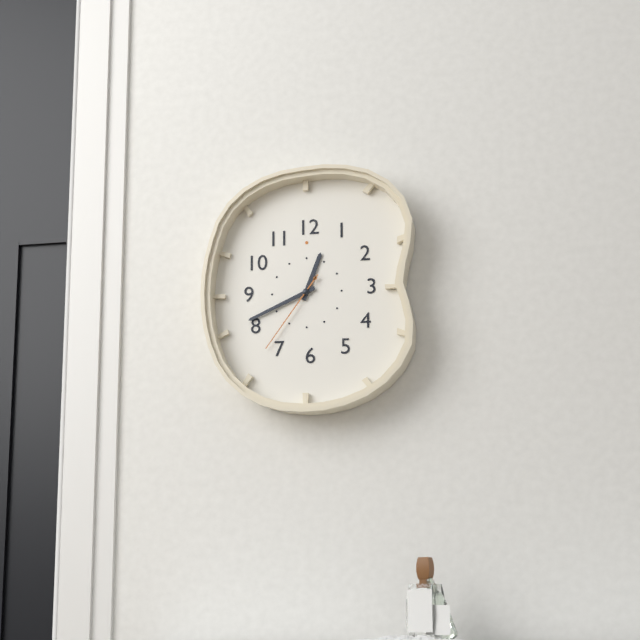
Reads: 12.41.36
